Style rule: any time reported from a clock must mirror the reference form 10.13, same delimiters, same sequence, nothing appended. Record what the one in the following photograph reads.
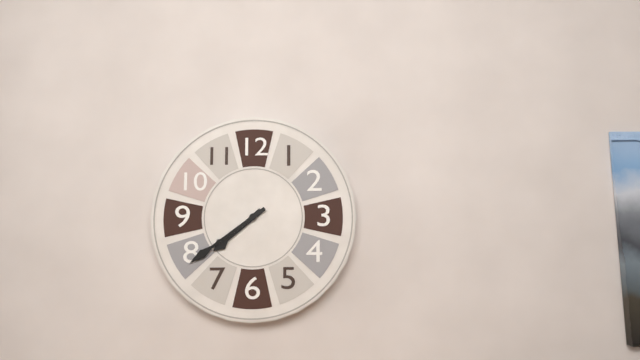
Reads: 7.39
